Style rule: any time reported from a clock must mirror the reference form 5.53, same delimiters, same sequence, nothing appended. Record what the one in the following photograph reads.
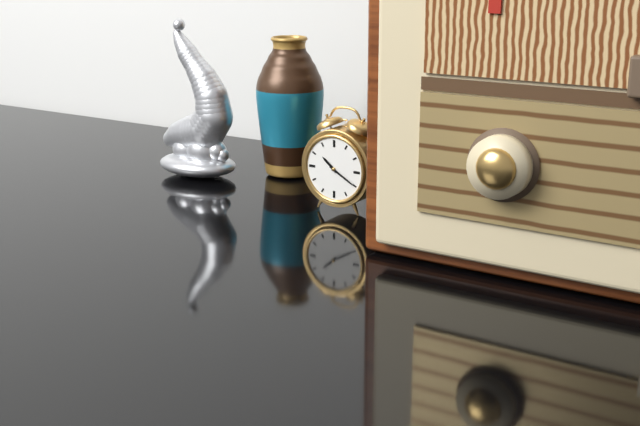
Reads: 10.20
